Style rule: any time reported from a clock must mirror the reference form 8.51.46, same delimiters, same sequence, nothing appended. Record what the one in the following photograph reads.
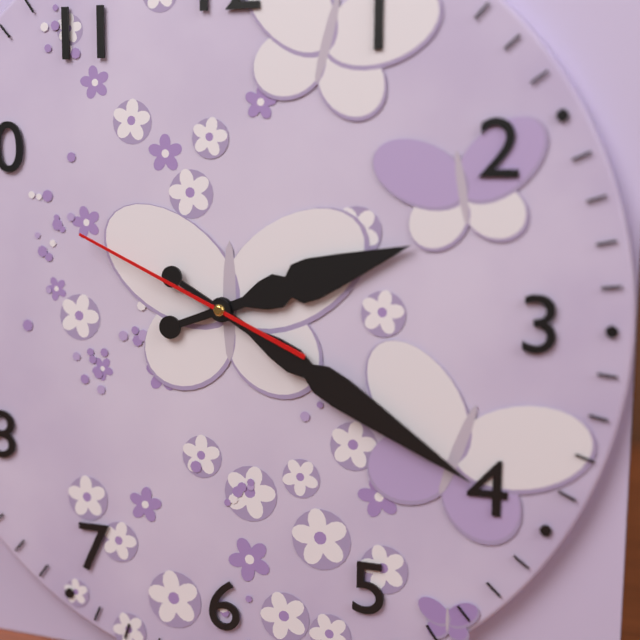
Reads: 2.20.49
